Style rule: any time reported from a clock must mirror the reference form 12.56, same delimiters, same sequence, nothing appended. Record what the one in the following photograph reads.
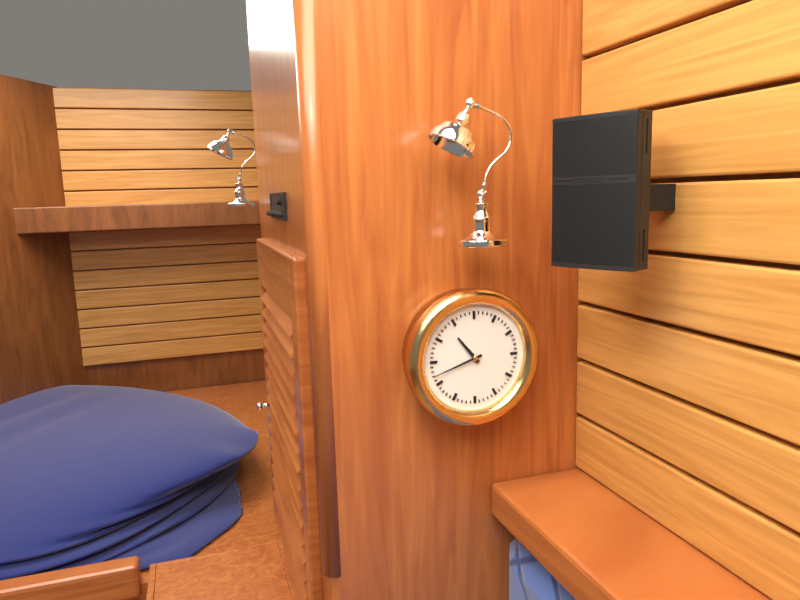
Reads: 10.42
